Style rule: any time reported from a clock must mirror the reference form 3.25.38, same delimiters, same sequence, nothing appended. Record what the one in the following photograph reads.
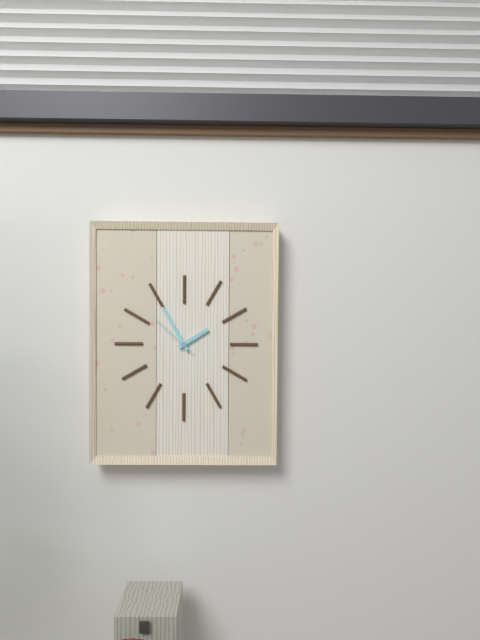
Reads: 1.55.52
